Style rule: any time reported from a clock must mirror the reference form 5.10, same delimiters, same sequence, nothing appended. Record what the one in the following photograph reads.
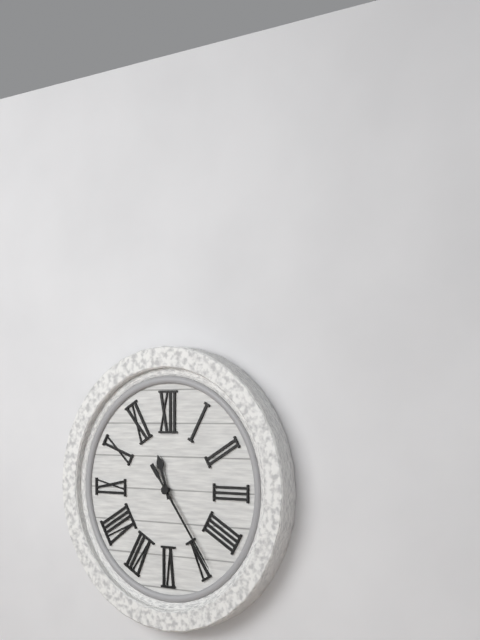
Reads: 11.24
